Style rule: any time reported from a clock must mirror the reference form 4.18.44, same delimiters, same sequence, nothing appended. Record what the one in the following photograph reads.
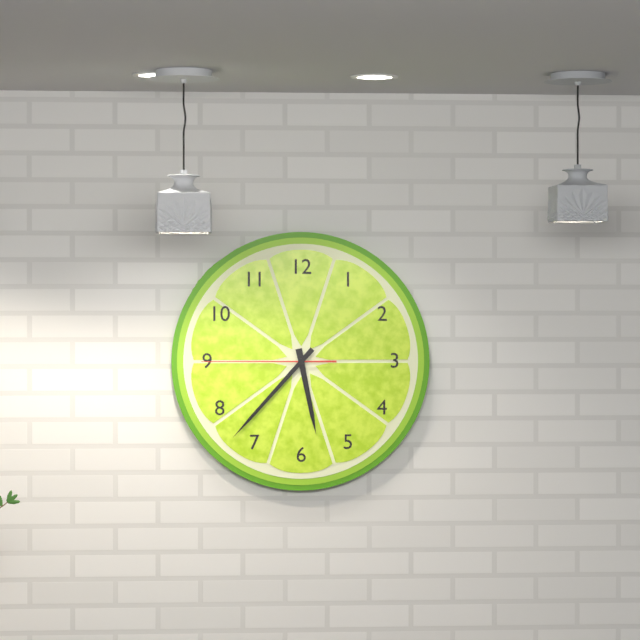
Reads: 5.37.45
